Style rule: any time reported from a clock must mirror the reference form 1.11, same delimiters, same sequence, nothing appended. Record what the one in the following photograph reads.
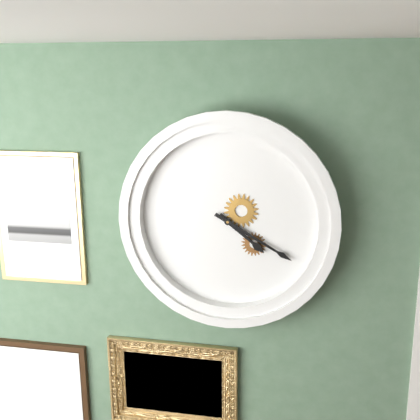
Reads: 4.20
